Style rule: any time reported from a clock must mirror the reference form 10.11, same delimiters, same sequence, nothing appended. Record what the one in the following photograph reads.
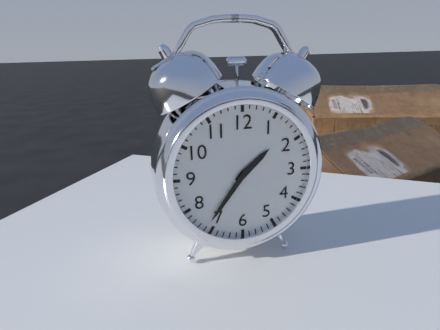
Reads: 1.36
